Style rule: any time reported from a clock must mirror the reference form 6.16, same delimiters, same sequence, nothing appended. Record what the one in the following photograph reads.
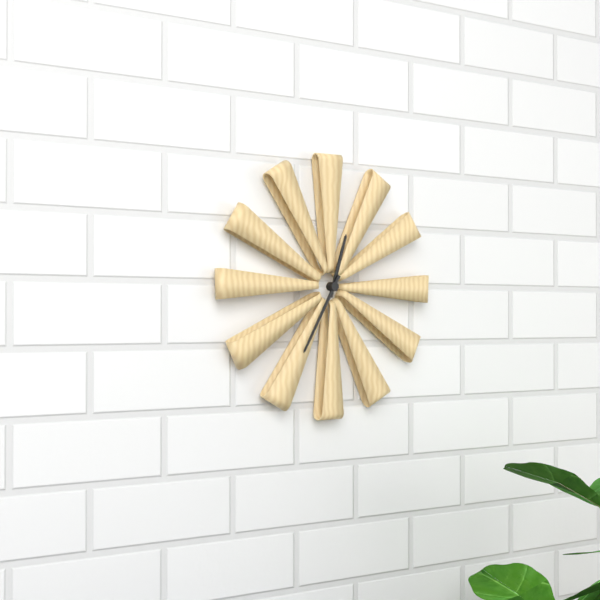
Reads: 12.35
